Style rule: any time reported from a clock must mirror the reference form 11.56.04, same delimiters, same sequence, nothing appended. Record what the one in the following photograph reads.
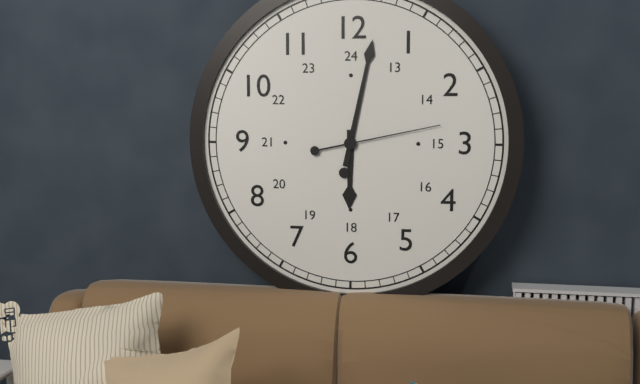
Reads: 6.02.13
